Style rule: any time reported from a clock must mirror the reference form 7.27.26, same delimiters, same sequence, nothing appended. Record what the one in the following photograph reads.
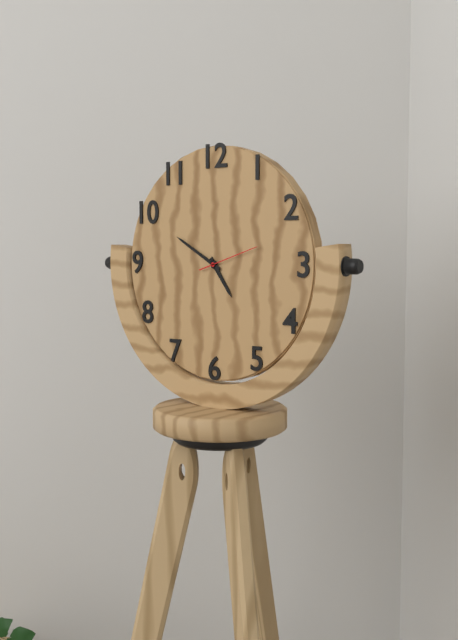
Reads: 4.50.12
